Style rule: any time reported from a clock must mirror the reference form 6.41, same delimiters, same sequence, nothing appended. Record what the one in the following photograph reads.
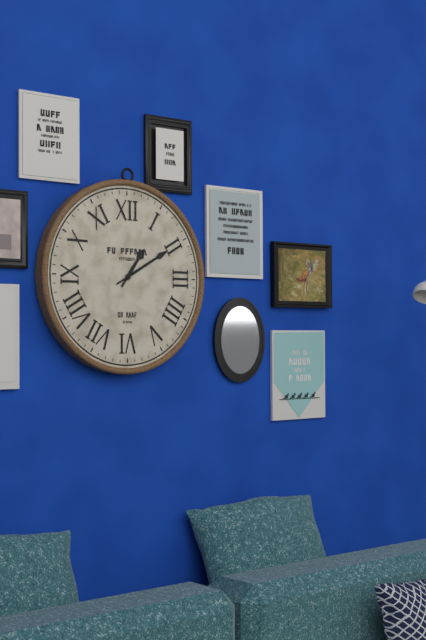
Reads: 1.10
